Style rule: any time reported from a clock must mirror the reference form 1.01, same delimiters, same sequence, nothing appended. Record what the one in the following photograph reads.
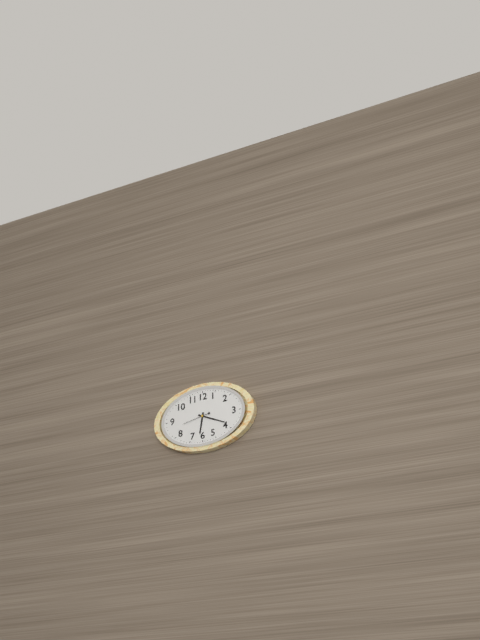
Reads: 6.19
